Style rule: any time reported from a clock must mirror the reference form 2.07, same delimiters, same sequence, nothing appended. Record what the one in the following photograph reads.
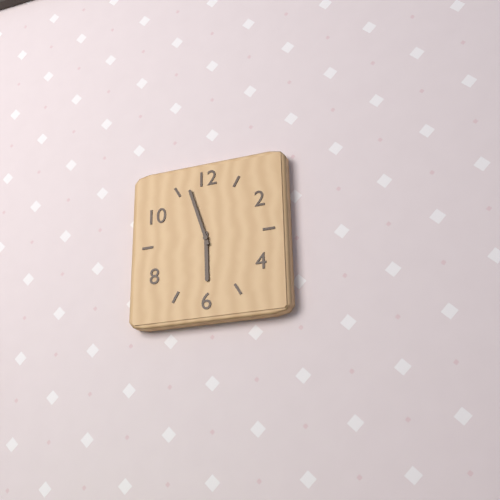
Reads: 5.57
